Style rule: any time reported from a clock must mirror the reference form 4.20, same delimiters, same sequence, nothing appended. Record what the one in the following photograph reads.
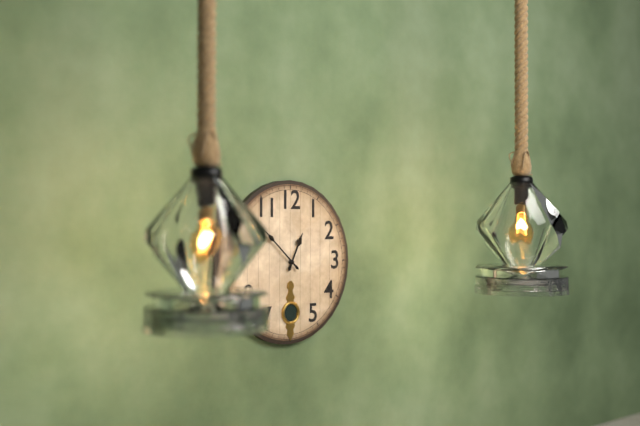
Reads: 12.52
